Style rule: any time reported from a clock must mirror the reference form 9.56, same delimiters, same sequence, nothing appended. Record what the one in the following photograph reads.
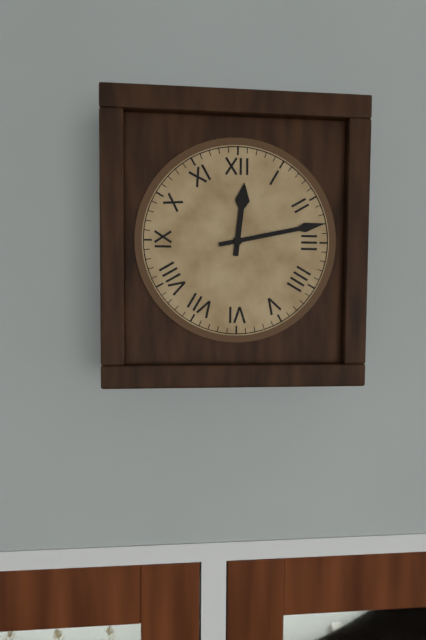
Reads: 12.13
